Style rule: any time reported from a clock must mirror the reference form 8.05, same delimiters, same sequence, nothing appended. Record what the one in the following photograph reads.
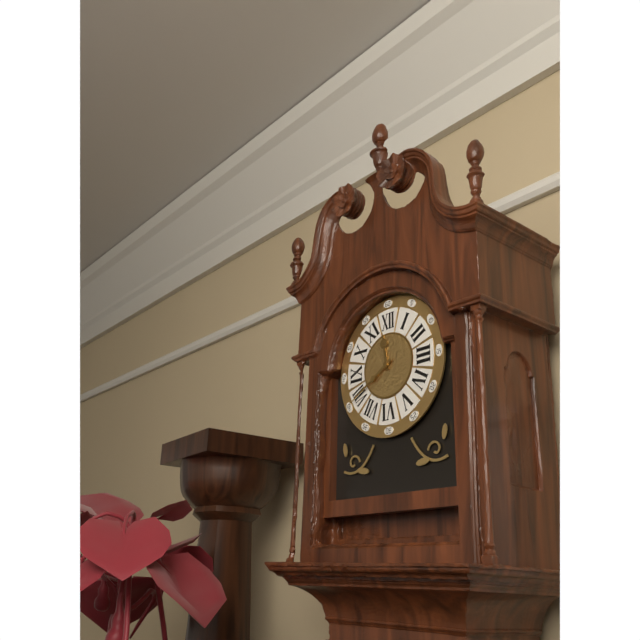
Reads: 11.40
